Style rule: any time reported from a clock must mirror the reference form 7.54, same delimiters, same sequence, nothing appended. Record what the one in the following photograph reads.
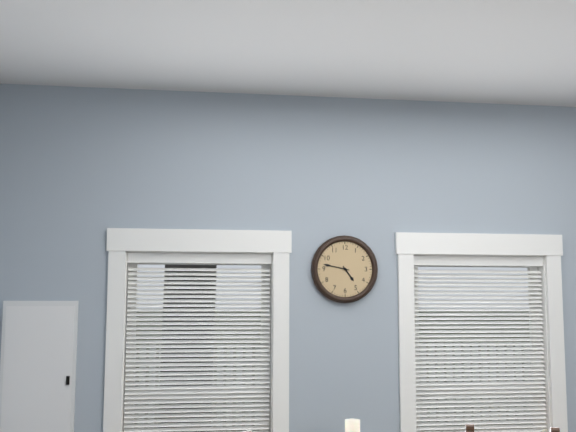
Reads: 4.47
